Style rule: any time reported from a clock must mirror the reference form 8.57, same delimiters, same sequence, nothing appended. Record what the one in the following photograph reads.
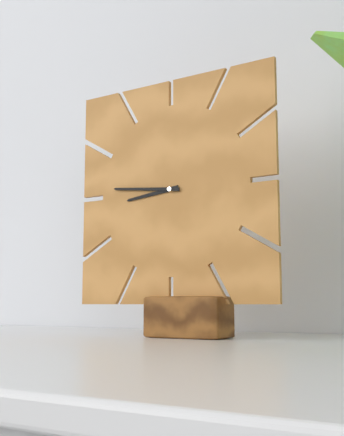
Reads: 8.46
